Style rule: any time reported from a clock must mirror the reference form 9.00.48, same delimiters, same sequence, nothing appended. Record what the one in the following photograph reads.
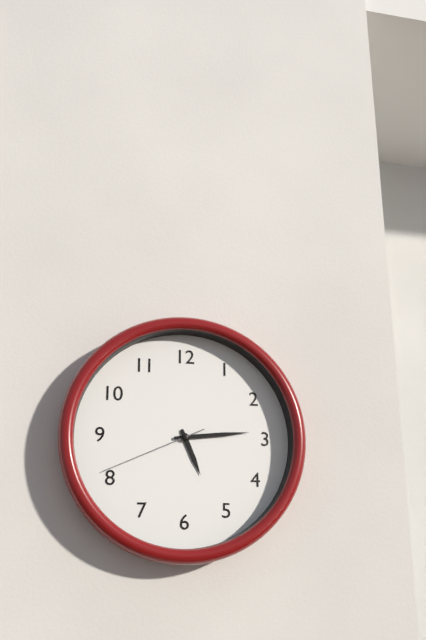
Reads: 5.14.41
